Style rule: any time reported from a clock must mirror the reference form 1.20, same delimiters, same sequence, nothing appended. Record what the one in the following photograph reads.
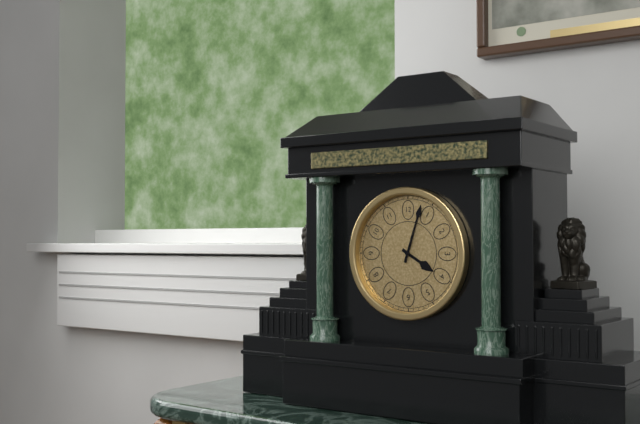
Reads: 4.03
